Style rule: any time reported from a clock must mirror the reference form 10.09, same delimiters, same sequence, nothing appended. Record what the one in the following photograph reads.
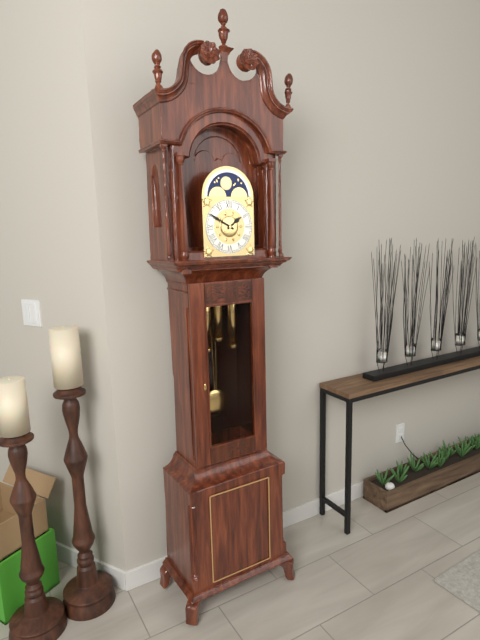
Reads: 1.50
